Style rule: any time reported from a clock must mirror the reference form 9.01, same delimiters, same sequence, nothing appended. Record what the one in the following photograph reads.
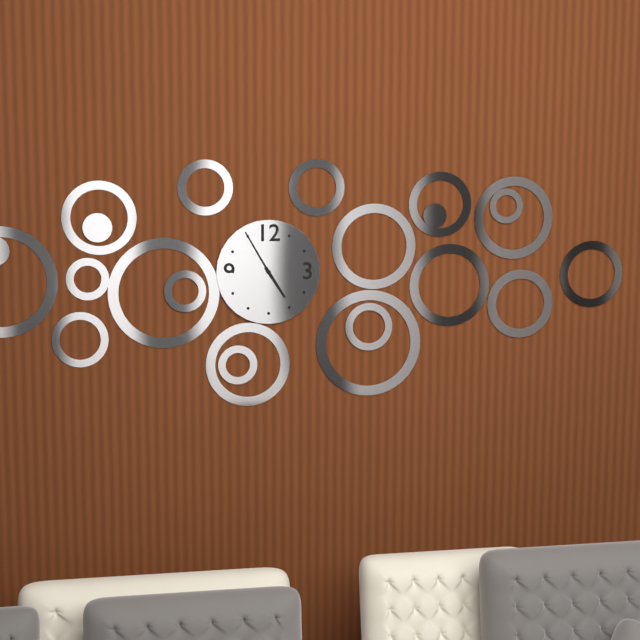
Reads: 4.55
